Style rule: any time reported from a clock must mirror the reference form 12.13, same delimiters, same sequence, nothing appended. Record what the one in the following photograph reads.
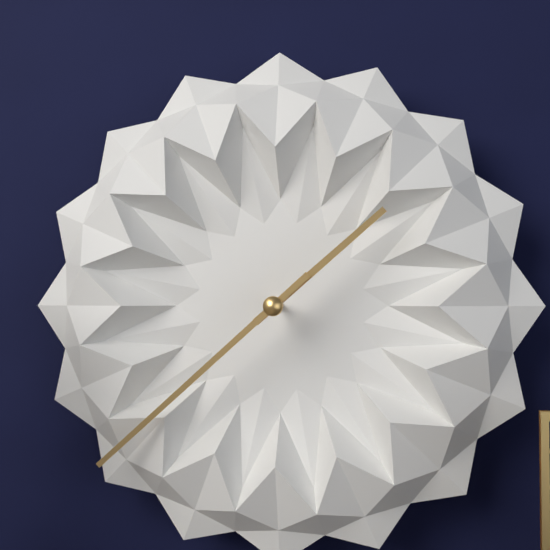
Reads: 1.38
